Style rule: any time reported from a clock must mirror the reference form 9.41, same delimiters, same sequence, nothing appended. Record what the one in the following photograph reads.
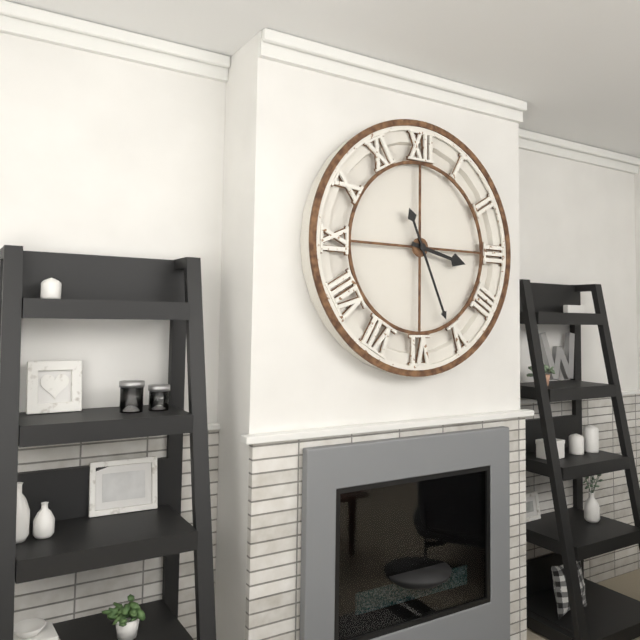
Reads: 3.26
